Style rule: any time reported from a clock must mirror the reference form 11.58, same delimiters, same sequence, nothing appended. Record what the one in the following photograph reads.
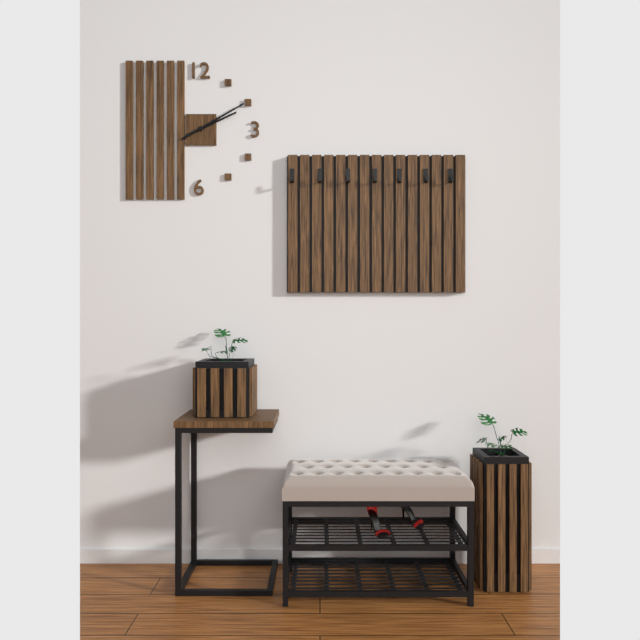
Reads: 2.10
